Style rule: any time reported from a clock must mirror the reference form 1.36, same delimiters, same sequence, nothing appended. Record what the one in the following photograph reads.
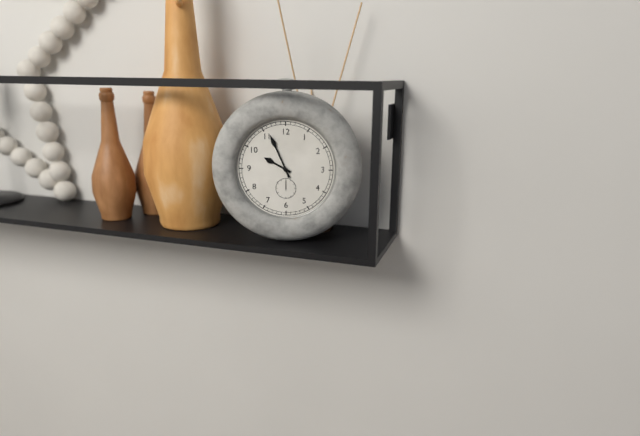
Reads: 9.56
